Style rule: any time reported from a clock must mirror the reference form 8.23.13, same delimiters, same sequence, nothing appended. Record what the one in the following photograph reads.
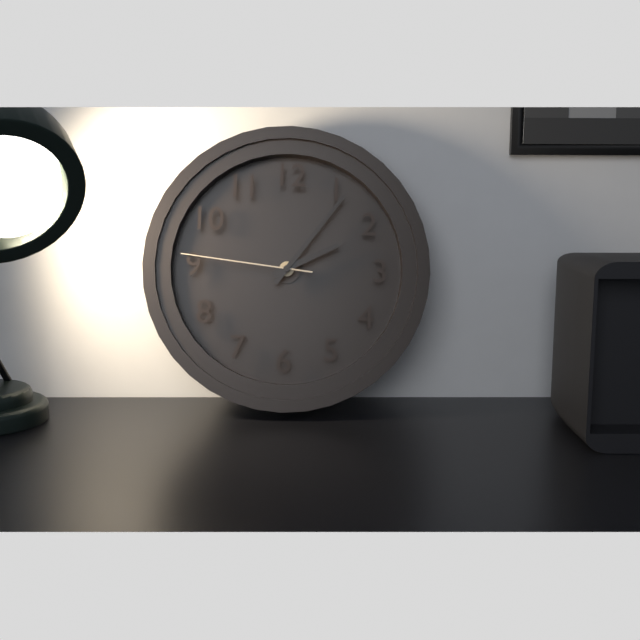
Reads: 2.06.46
